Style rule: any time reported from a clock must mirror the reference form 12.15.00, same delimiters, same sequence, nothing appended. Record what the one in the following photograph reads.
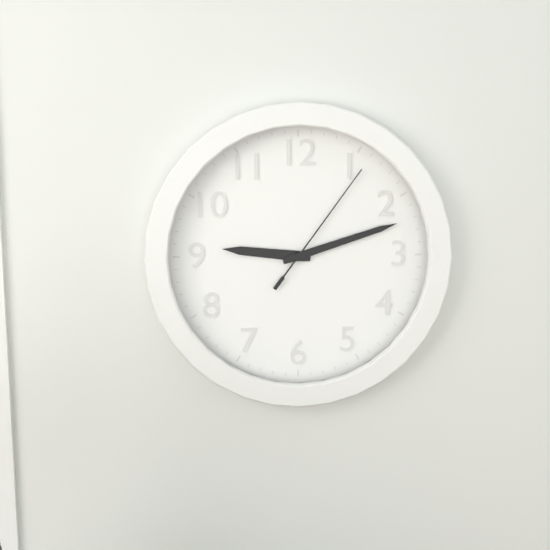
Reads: 9.12.06
